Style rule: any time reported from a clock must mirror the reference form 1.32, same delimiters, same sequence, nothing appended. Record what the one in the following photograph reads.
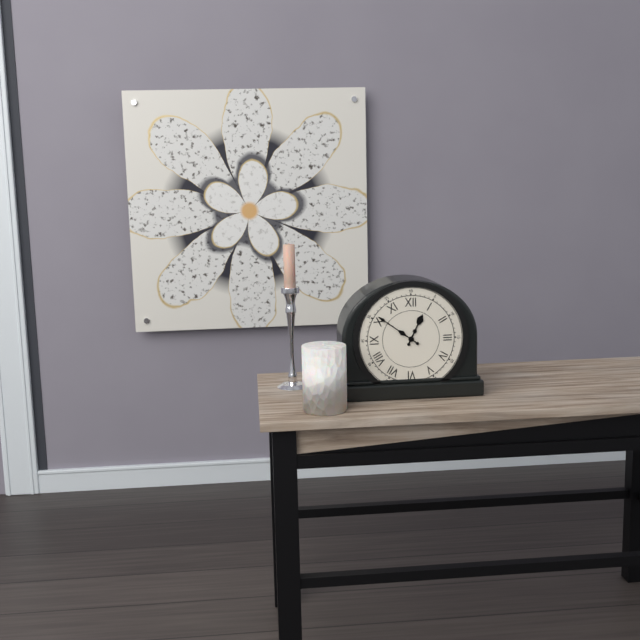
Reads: 12.51
